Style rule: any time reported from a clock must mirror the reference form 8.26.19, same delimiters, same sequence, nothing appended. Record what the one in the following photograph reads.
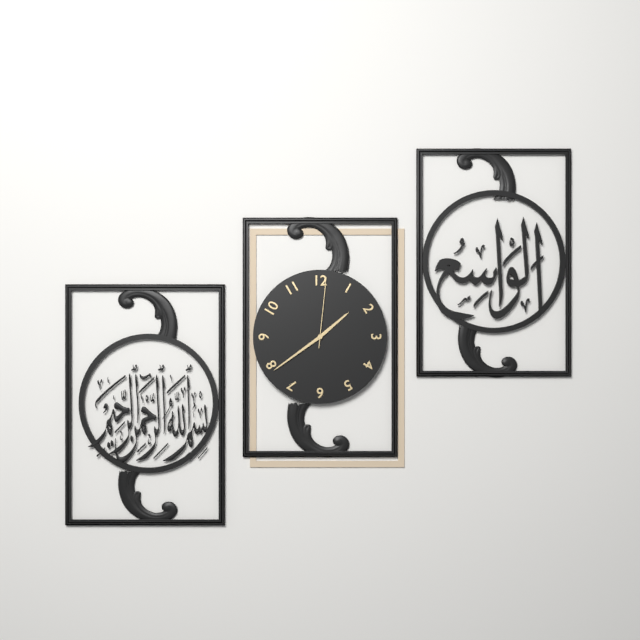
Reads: 1.39.01
